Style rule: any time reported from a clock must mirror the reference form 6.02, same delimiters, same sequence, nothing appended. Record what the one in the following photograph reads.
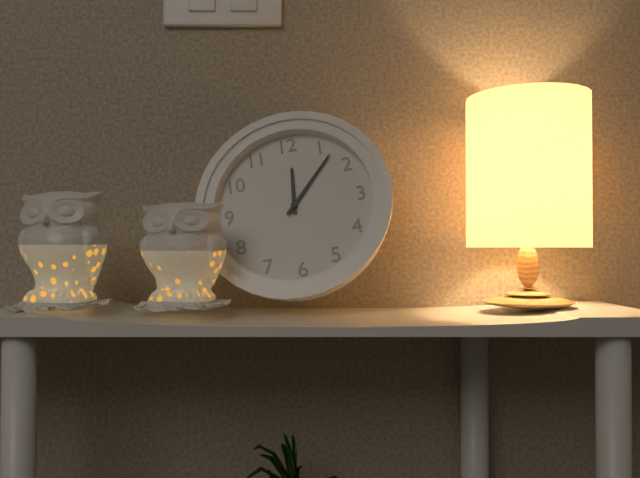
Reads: 12.07
